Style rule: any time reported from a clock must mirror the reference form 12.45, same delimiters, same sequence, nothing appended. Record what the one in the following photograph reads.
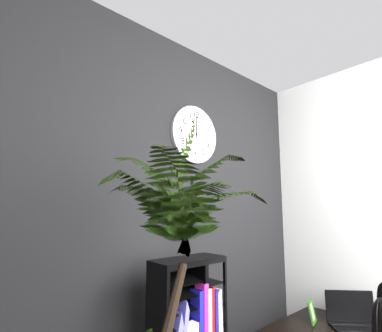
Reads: 12.00
